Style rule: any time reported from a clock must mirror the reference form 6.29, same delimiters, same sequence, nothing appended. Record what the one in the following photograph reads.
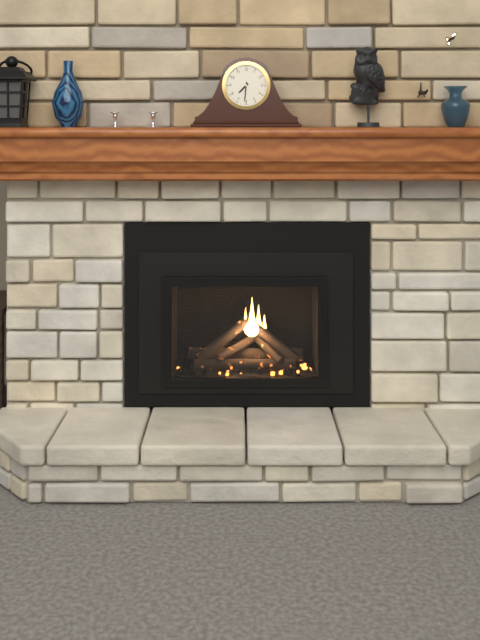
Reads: 7.31
